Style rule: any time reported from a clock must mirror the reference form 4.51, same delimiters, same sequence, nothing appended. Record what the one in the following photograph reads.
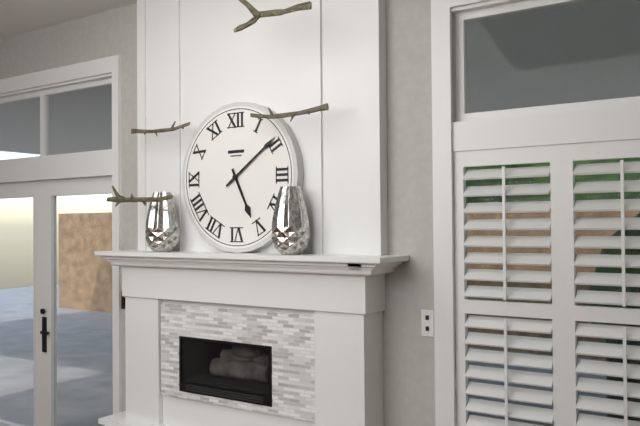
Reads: 5.09
